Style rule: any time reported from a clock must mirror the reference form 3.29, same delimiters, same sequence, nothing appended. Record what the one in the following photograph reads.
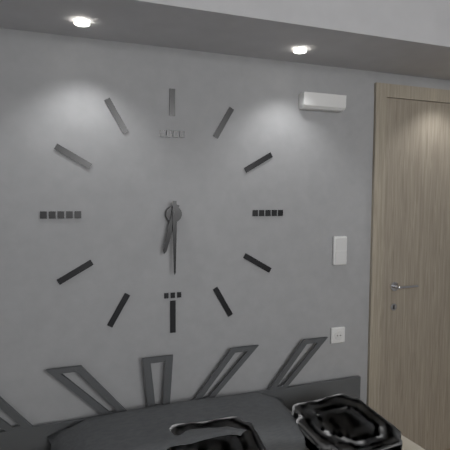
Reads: 6.30
